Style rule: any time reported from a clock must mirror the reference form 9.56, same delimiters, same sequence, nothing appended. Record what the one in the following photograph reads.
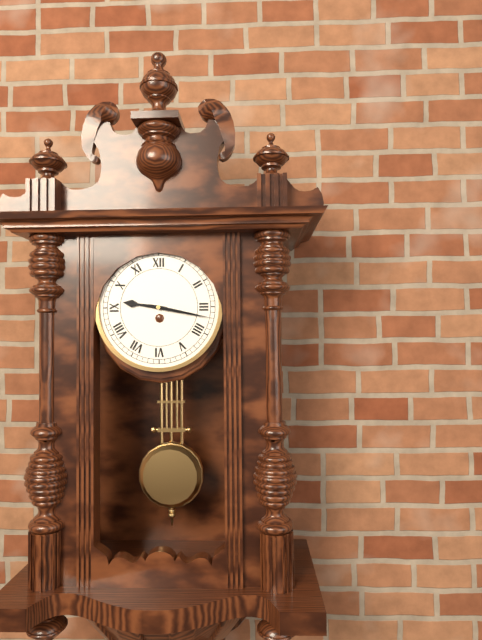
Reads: 9.17
